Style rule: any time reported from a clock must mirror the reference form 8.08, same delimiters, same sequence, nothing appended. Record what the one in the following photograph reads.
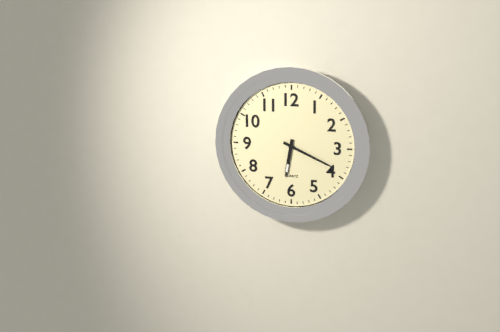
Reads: 6.19
